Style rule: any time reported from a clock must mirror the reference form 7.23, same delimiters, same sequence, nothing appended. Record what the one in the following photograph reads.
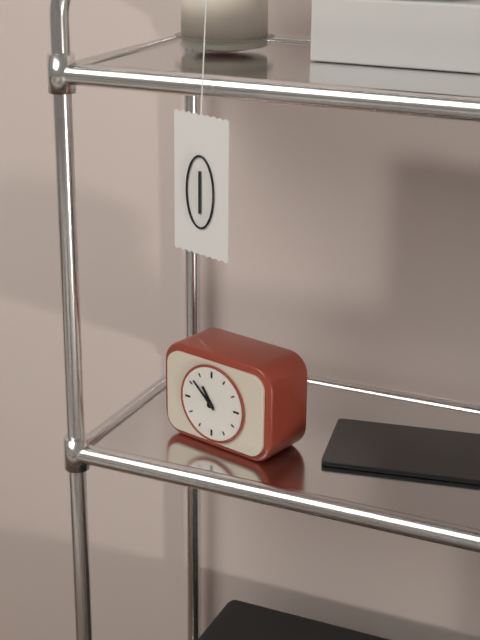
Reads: 10.52
